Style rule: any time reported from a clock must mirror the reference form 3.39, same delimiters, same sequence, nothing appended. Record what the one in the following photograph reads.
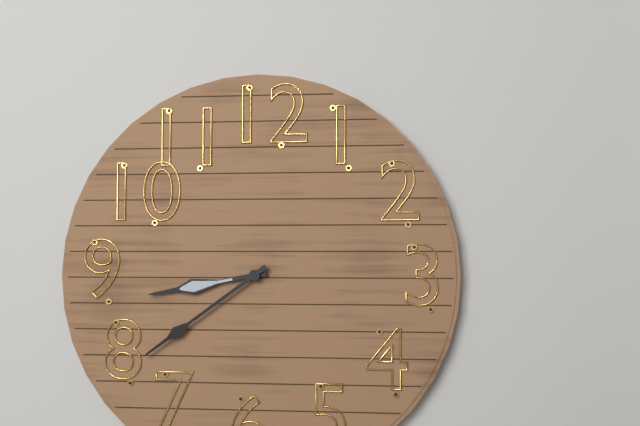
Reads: 8.39
